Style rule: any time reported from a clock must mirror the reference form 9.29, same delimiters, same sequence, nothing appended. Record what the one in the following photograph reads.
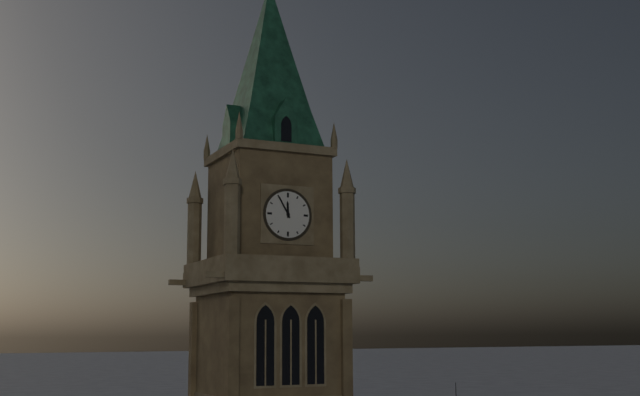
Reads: 11.55
